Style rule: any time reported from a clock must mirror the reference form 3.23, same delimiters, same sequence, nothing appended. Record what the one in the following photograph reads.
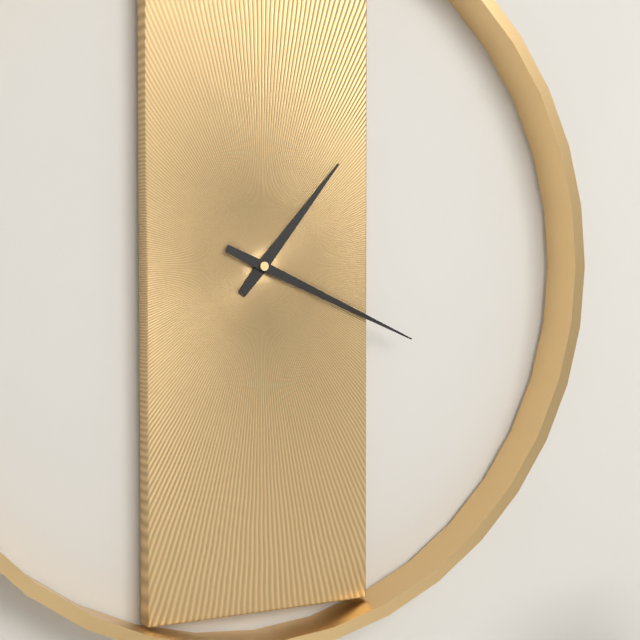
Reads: 1.19
